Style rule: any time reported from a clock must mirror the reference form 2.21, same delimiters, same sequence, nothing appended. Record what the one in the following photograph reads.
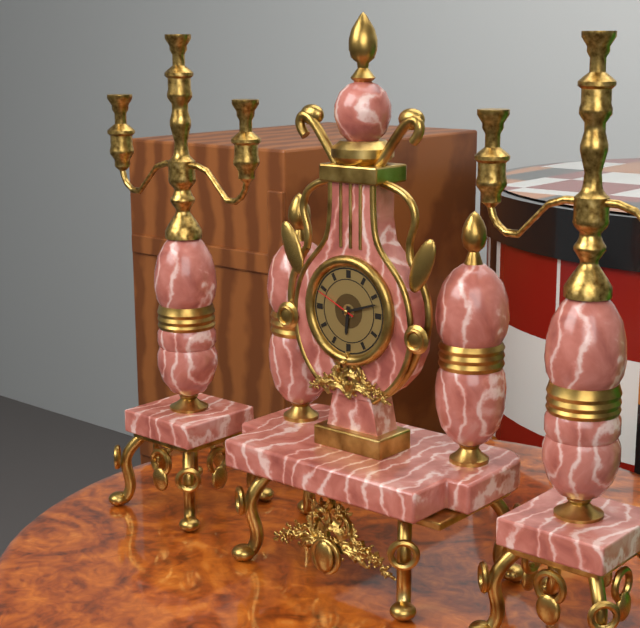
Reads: 6.12
